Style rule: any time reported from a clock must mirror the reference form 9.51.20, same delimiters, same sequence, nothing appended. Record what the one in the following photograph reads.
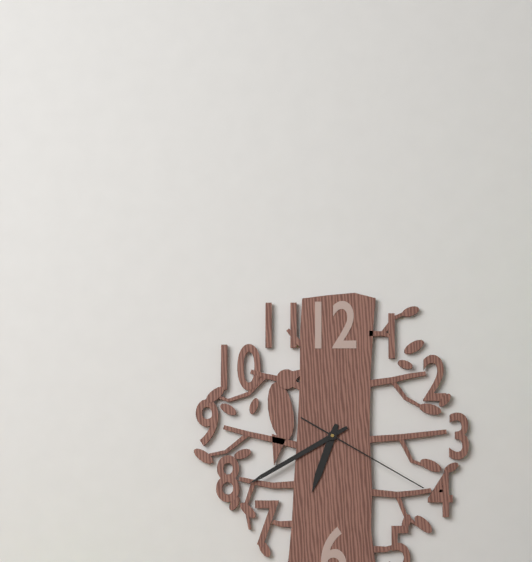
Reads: 6.40.20
